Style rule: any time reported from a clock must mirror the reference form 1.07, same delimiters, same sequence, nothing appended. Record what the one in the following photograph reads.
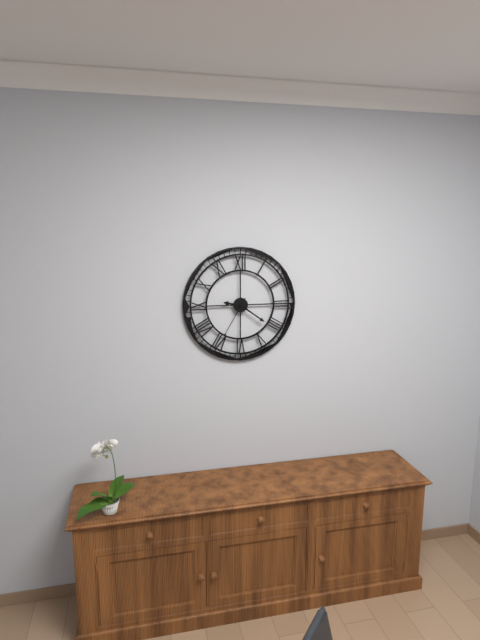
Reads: 9.21
